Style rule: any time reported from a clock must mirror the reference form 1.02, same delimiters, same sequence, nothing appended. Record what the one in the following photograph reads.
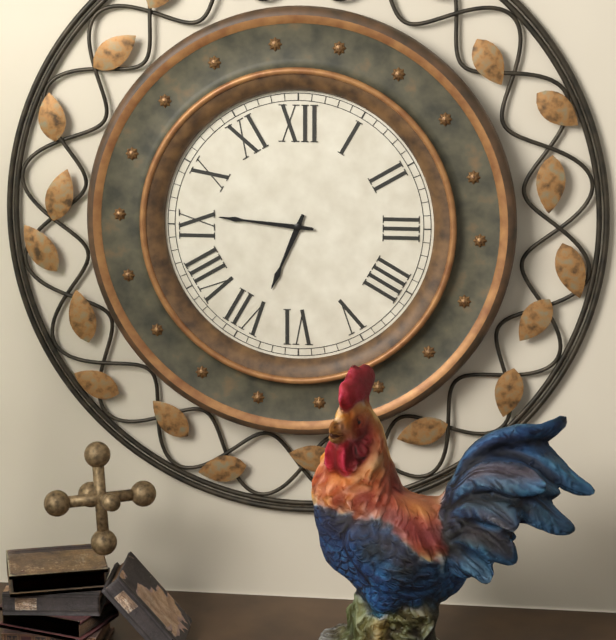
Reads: 6.46
